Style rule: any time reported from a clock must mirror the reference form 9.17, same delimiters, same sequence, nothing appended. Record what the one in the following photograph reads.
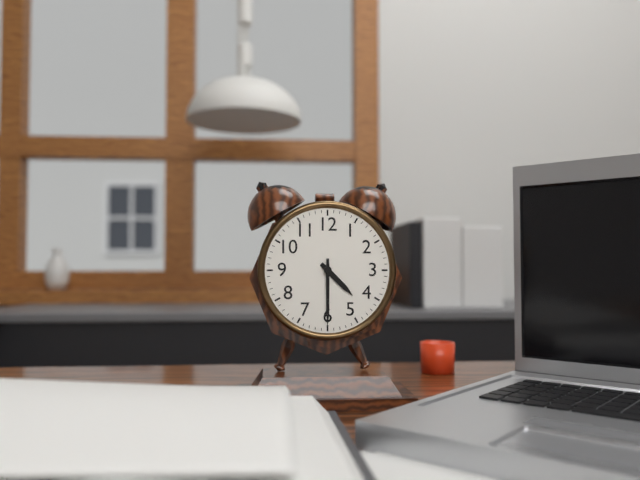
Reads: 4.30
